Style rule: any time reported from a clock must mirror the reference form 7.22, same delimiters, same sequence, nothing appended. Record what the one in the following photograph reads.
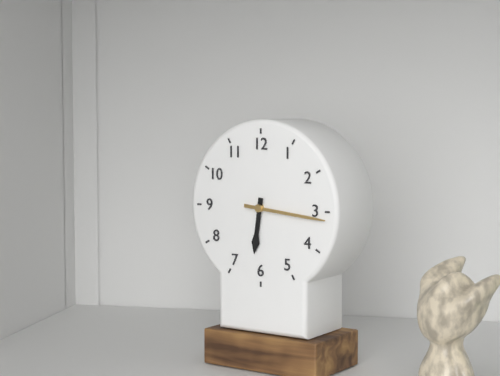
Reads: 6.16
